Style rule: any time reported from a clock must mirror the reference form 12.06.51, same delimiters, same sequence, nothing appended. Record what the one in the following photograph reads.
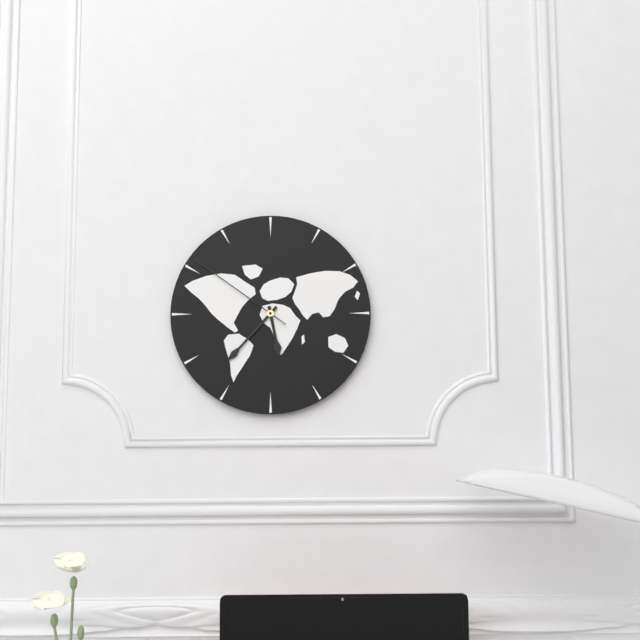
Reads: 5.37.51
